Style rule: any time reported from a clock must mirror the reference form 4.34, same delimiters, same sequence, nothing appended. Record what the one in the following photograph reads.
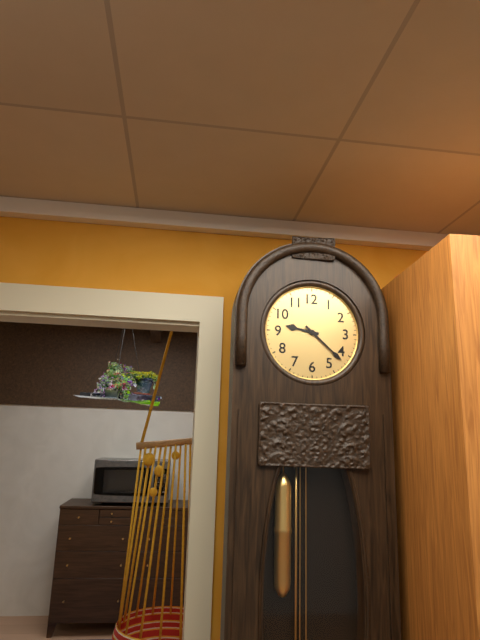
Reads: 9.22
